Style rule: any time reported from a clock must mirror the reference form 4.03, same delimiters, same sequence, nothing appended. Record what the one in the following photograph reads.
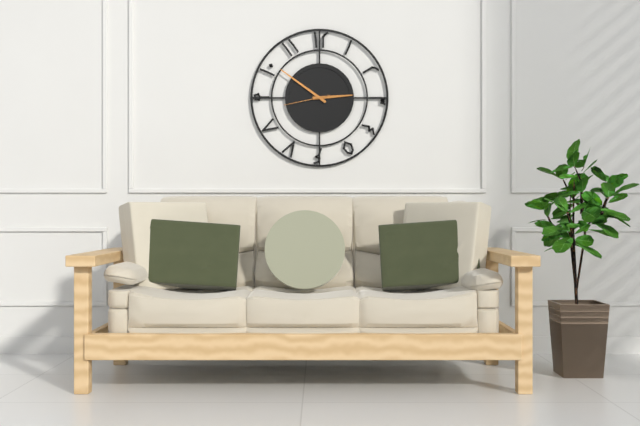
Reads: 2.51
